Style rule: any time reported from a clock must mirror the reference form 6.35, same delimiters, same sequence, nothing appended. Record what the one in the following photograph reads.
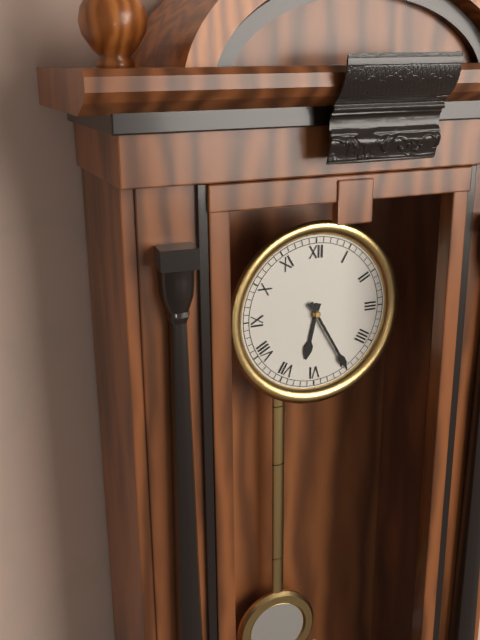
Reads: 6.25
